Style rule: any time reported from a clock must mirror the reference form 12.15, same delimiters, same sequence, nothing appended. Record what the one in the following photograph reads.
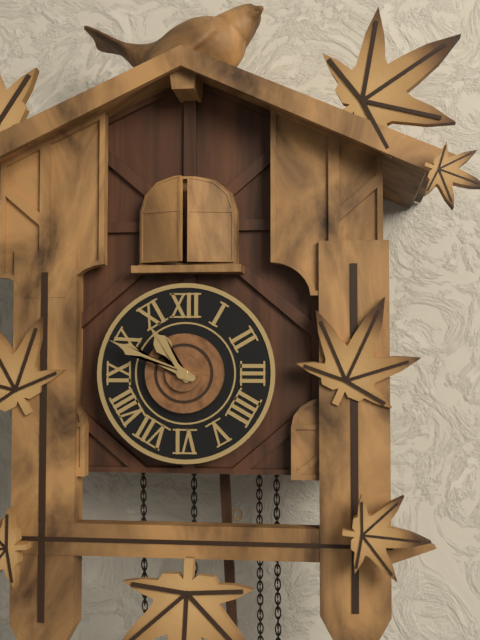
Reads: 10.49
